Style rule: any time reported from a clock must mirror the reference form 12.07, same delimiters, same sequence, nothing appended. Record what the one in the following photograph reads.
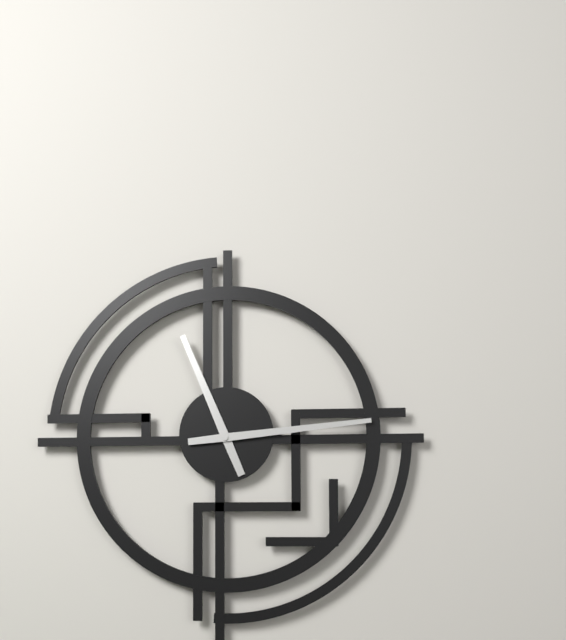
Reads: 11.14
